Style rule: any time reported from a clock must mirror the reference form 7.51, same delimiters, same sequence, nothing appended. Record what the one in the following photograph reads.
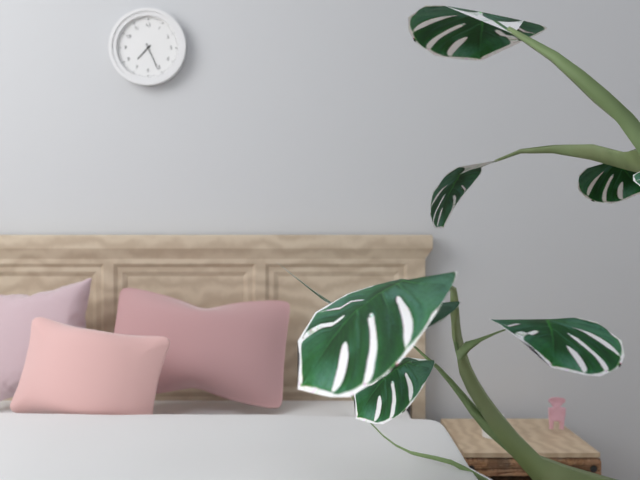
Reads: 7.26
